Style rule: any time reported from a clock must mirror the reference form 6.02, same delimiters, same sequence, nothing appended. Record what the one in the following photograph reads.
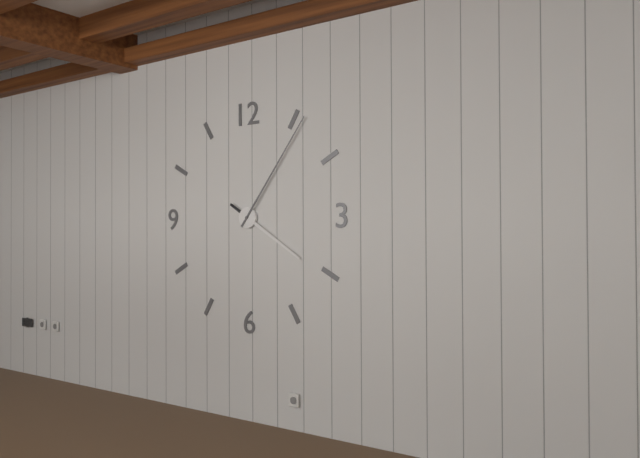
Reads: 4.06
